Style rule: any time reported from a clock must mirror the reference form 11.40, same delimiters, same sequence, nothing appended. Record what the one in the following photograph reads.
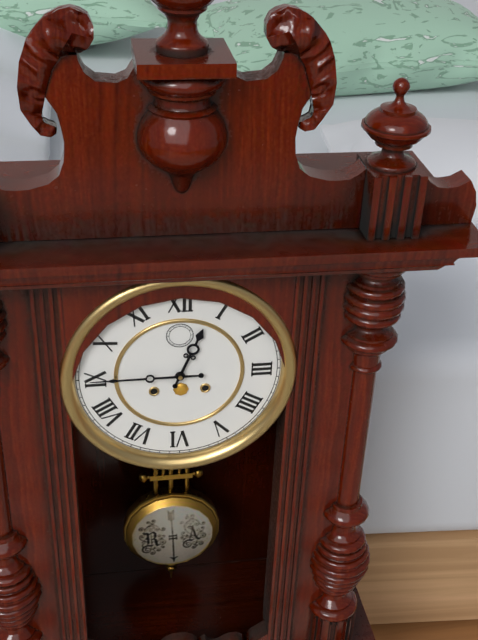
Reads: 12.45
